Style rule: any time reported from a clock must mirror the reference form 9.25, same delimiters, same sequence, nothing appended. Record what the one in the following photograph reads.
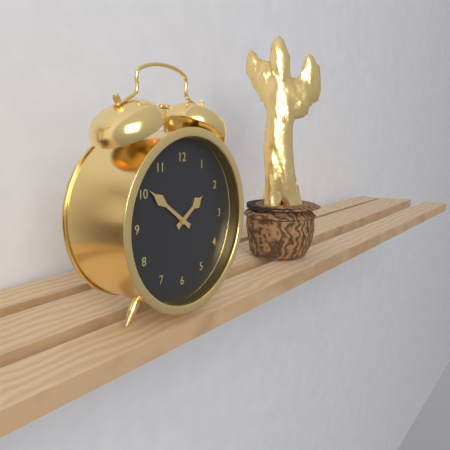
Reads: 1.51
